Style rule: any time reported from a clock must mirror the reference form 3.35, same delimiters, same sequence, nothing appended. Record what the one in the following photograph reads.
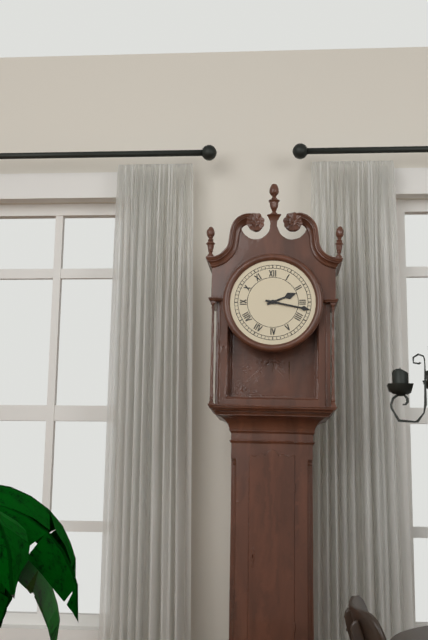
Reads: 2.17
